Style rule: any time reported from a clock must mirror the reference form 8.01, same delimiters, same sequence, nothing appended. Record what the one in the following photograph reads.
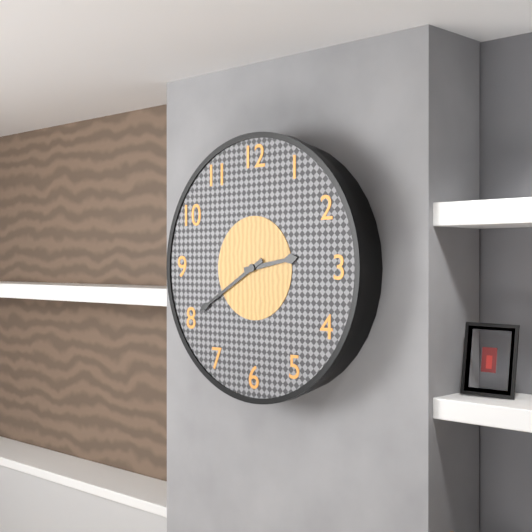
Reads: 2.40
